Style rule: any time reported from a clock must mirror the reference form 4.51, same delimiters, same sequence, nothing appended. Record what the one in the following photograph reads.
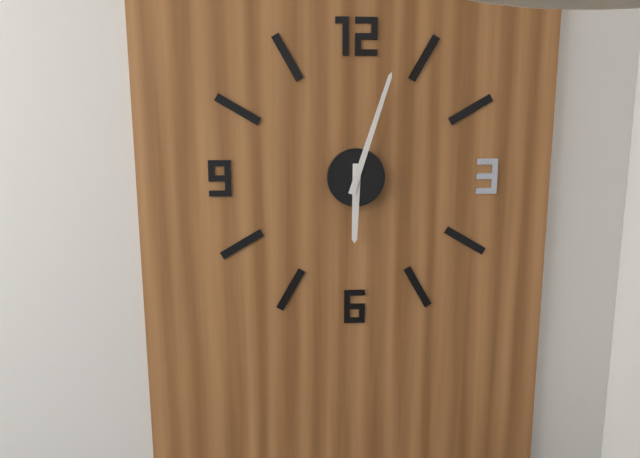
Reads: 6.03
